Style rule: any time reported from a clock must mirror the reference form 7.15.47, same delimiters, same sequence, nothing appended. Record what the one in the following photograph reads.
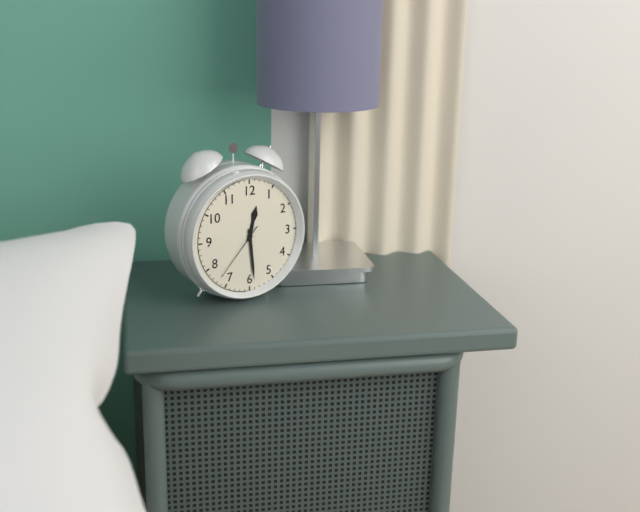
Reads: 12.29.37
